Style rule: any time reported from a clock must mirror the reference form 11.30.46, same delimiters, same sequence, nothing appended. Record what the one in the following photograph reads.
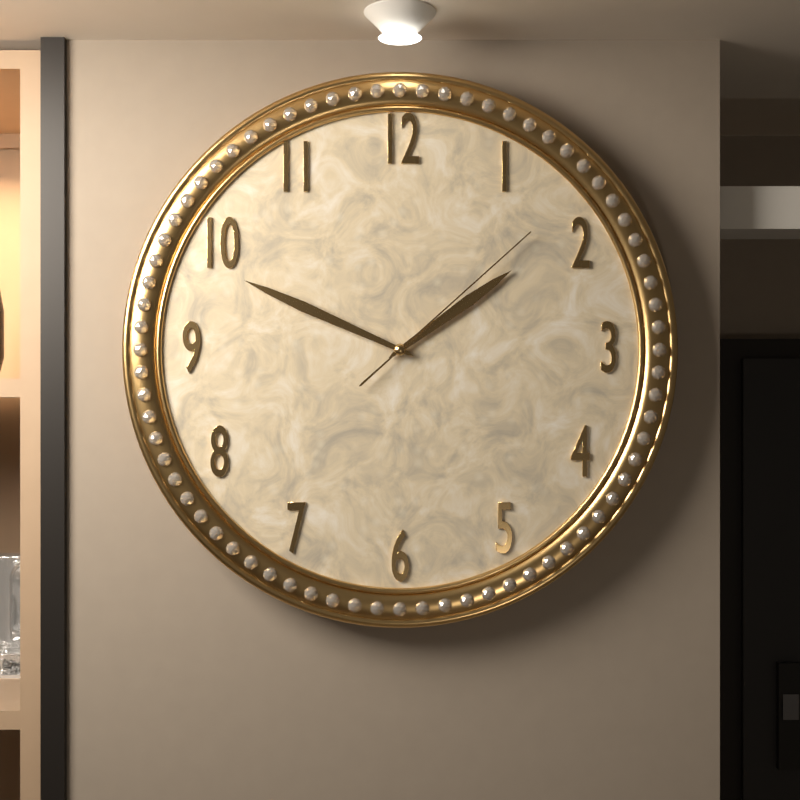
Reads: 1.49.08
